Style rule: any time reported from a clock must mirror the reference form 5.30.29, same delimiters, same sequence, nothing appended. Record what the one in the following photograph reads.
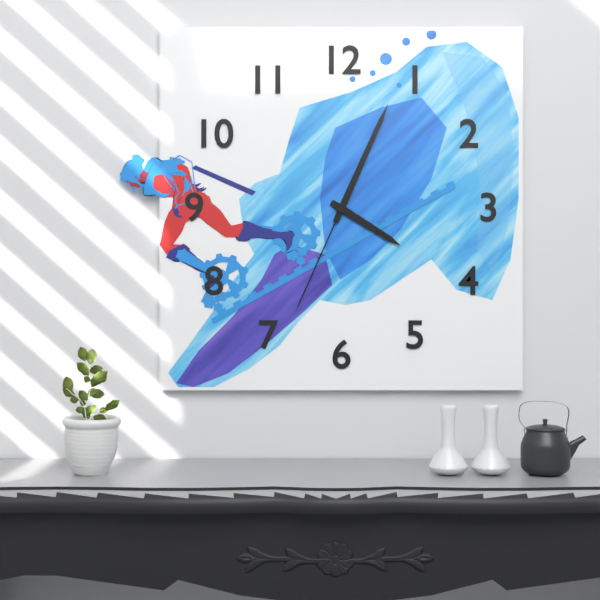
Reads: 4.04.34
